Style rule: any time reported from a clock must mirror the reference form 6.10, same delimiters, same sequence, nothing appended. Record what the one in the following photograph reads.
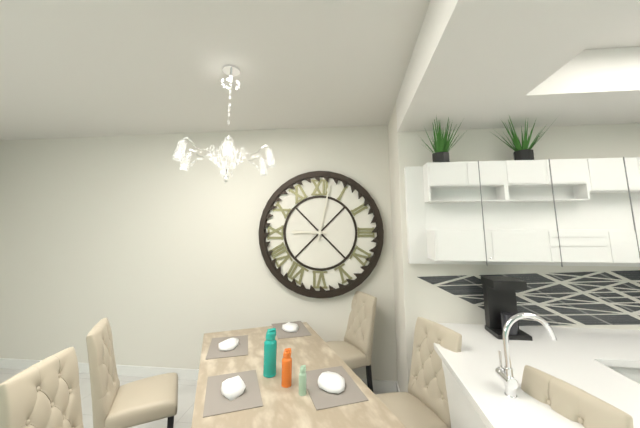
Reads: 9.02
